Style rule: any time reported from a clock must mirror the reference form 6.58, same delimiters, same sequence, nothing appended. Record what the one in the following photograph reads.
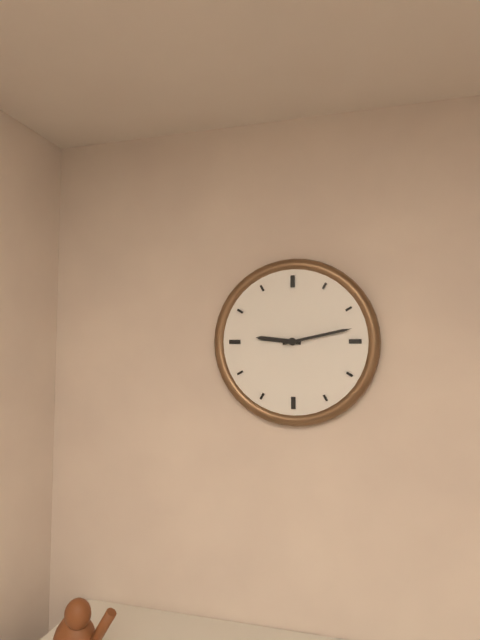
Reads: 9.13
